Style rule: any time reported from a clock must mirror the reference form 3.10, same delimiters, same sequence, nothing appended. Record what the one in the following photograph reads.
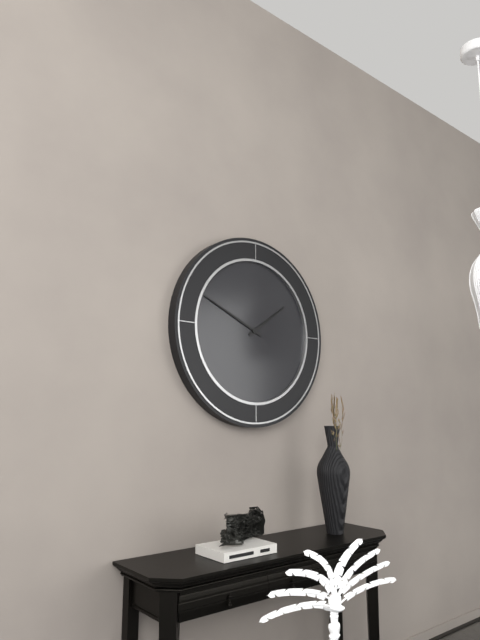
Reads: 1.49
